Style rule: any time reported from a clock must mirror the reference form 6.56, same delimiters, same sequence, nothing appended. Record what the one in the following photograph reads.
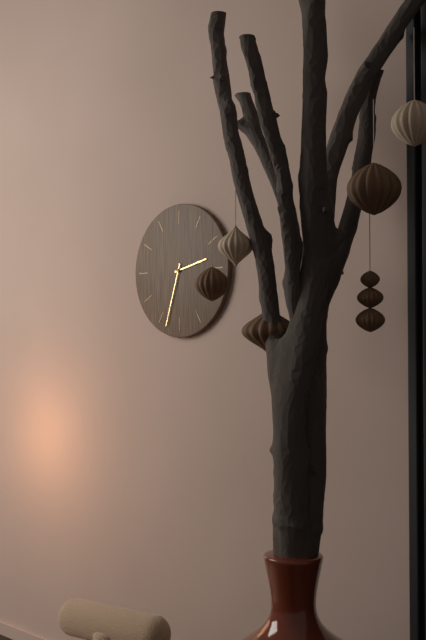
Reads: 2.33
